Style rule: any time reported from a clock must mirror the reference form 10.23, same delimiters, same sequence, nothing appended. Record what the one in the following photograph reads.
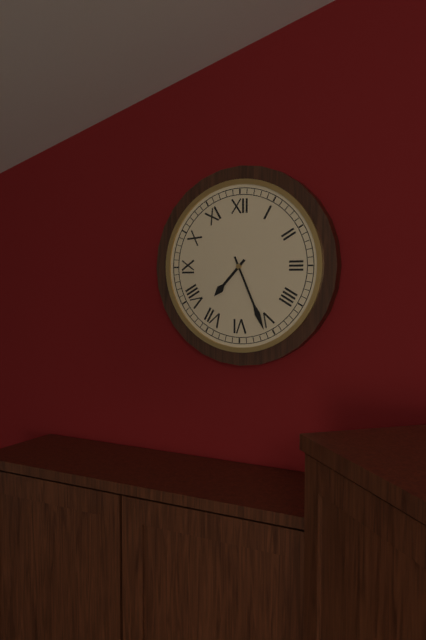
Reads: 7.26
